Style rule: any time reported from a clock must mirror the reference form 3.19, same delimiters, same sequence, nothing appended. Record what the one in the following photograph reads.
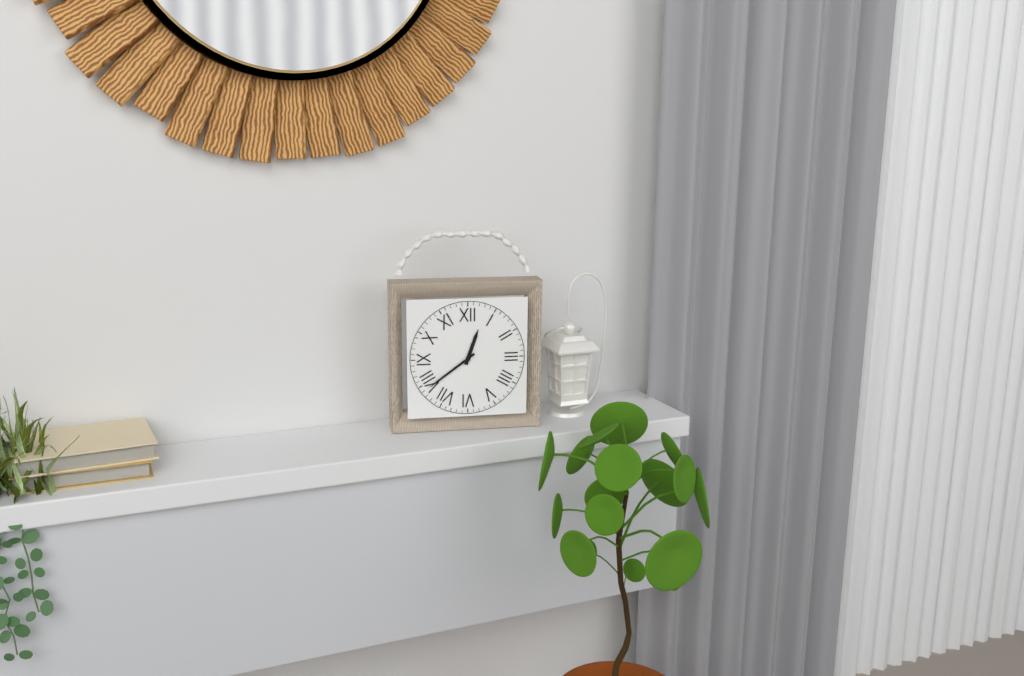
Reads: 12.39
